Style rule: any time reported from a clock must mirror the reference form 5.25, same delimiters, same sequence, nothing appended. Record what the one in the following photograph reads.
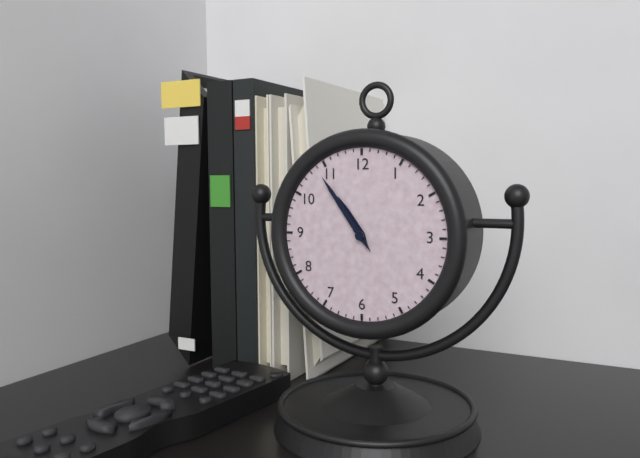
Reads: 10.54
